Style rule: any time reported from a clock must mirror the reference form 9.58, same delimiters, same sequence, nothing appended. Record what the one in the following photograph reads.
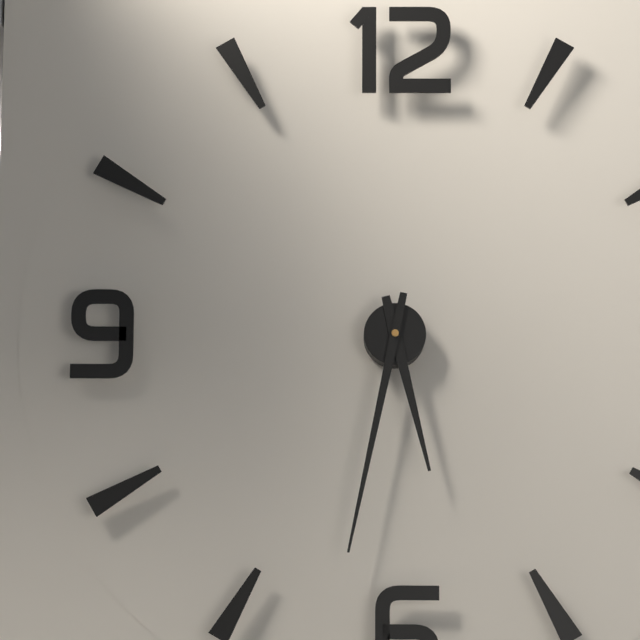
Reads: 5.32
